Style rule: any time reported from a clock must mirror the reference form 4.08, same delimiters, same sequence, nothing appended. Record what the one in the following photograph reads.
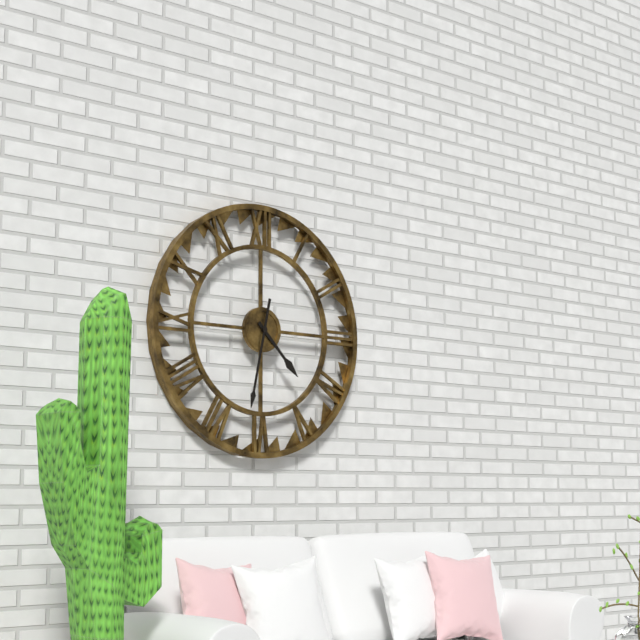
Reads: 4.32
